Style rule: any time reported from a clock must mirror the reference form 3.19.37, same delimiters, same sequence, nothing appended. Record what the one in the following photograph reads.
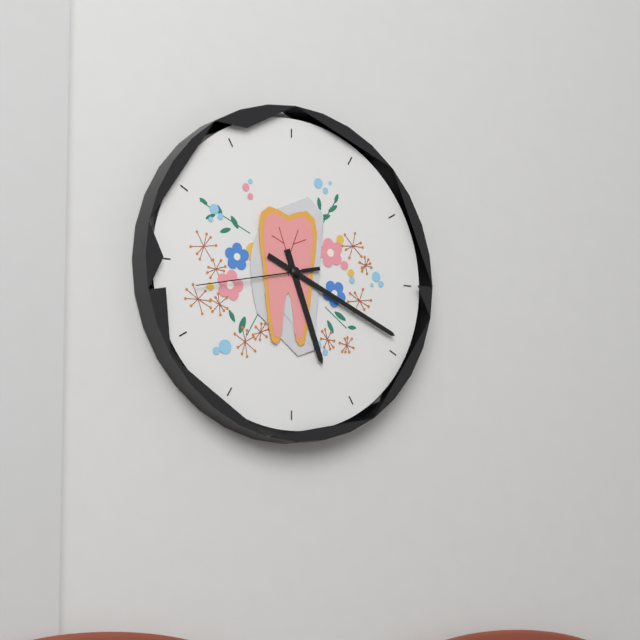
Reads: 5.19.43
